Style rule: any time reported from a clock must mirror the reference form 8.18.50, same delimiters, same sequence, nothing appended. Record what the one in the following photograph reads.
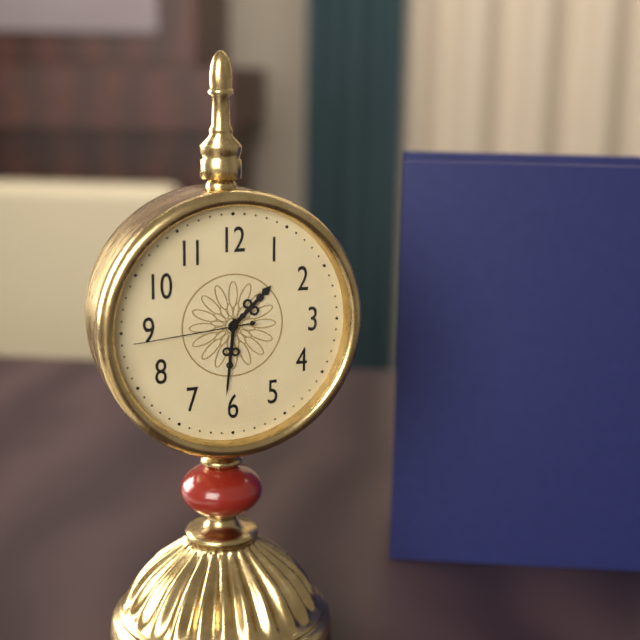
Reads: 1.31.44
